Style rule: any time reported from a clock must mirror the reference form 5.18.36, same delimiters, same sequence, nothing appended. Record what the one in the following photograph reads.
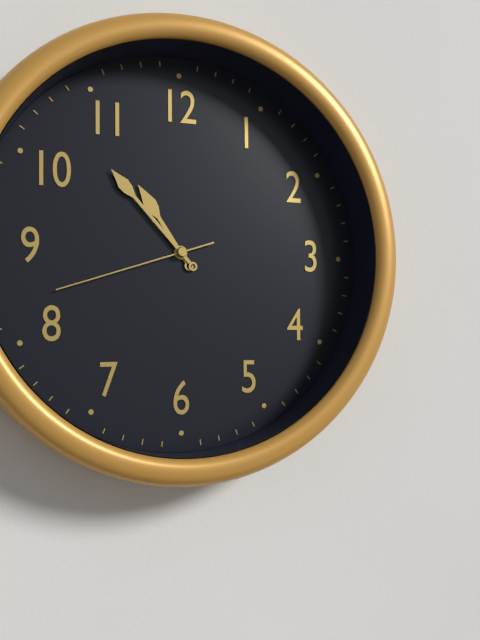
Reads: 10.53.42
